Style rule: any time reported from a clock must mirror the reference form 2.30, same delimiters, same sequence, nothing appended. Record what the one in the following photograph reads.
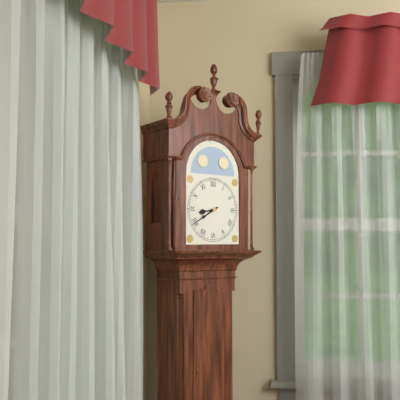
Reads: 8.40
